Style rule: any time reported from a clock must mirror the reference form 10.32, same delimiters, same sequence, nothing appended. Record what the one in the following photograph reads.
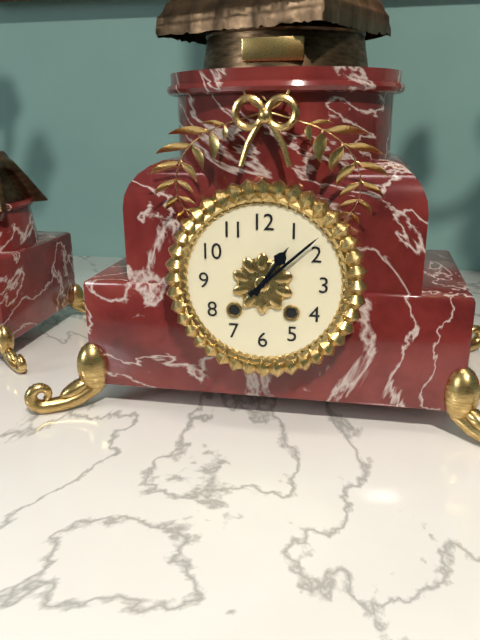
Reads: 1.08
